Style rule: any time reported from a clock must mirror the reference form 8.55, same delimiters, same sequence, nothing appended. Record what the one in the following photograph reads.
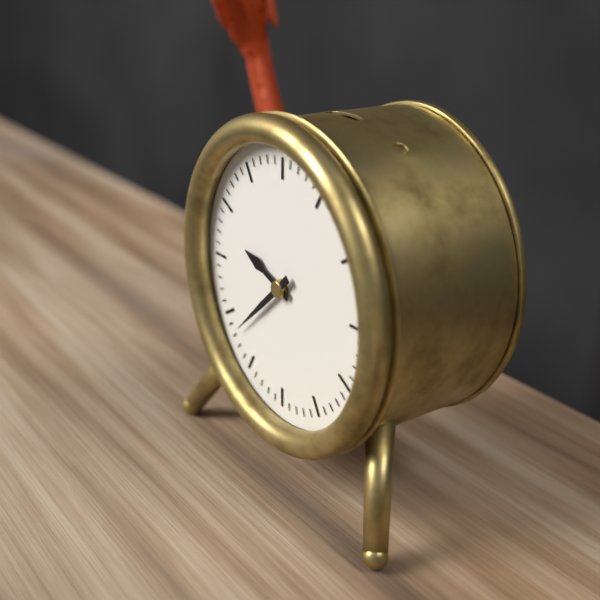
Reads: 9.38
